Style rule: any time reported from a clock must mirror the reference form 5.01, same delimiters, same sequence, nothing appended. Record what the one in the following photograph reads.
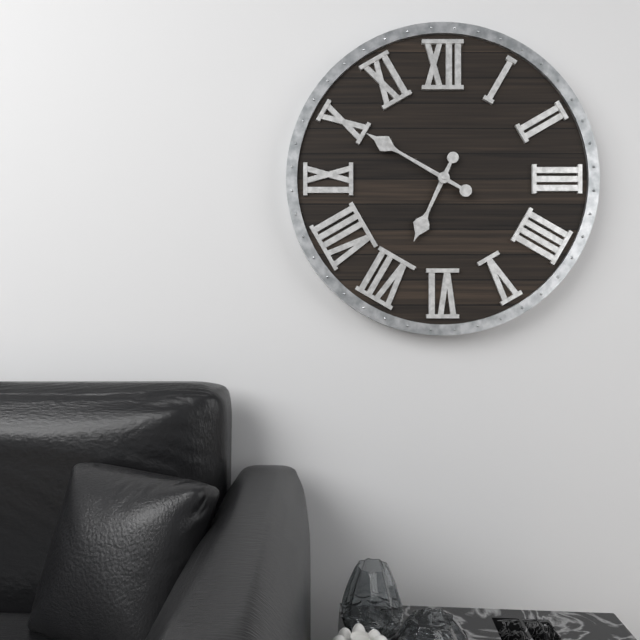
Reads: 6.50
